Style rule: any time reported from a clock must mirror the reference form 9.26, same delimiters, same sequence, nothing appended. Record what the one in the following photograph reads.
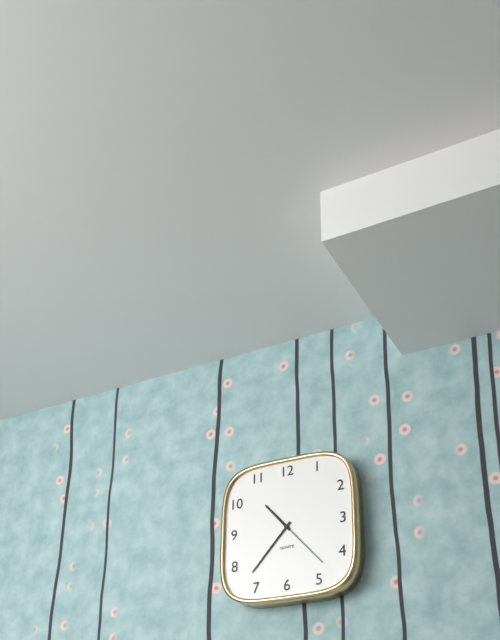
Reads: 10.37
